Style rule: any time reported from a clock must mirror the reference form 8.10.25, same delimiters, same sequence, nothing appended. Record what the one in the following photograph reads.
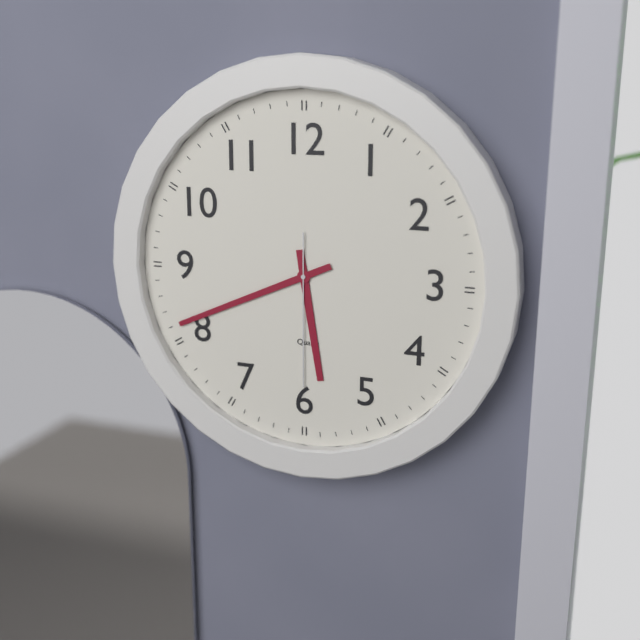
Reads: 5.41.30
